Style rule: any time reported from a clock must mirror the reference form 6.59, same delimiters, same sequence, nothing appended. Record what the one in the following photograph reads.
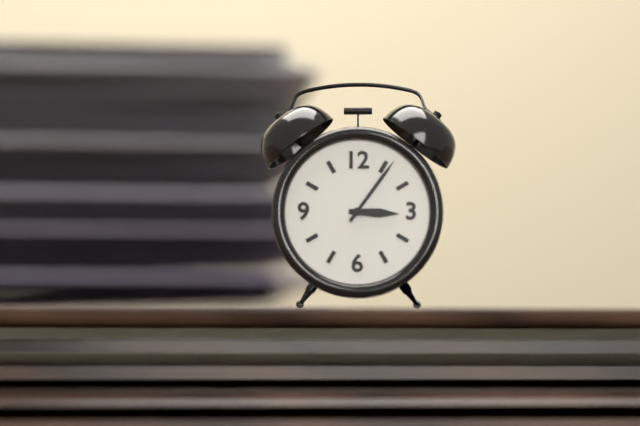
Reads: 3.06
